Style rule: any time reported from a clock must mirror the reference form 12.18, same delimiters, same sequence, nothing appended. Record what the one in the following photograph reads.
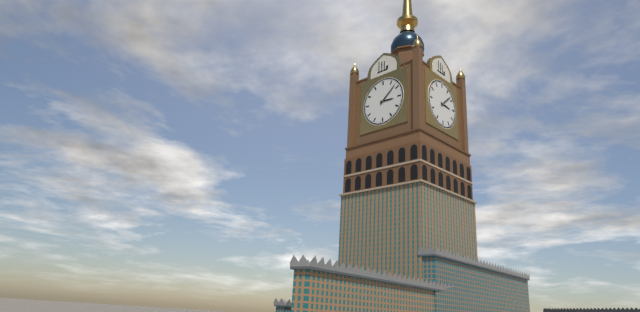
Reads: 3.08
